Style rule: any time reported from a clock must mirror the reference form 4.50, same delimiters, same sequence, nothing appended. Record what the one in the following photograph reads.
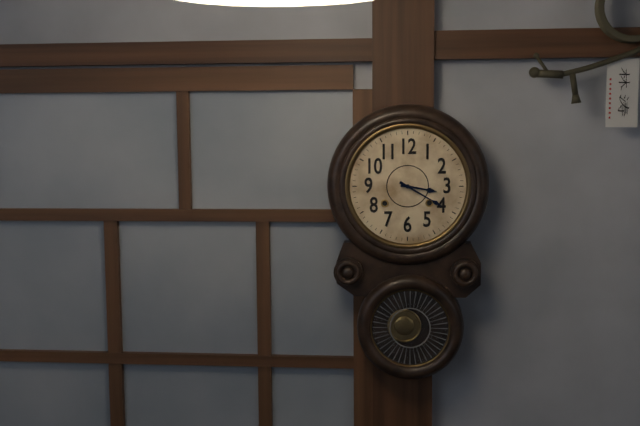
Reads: 3.20
